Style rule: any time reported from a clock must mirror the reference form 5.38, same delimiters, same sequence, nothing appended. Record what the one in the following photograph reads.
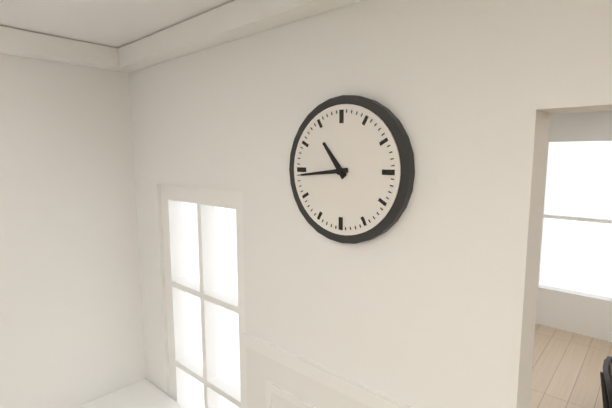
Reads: 10.44
